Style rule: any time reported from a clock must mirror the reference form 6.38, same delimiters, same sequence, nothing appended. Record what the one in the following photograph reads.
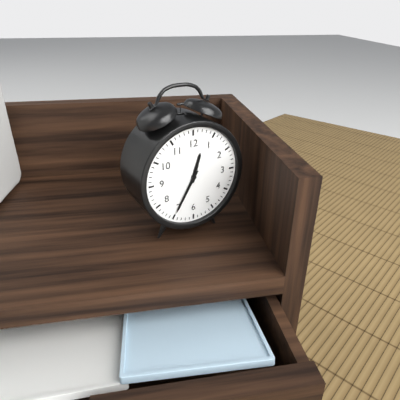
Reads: 12.35
